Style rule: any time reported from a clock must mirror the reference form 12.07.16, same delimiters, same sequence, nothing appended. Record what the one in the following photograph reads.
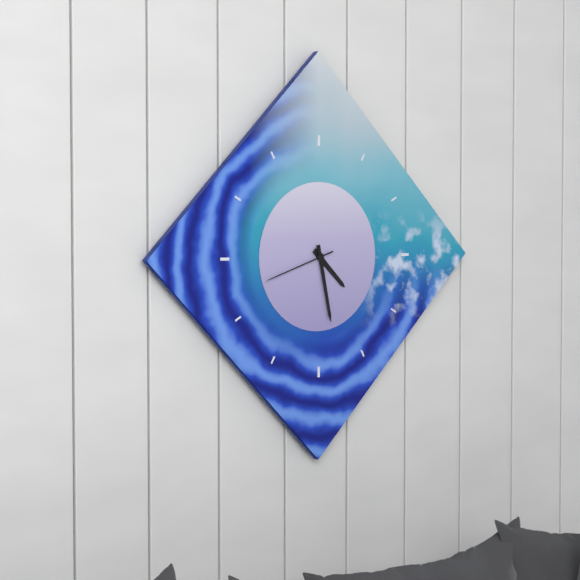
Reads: 4.28.42
